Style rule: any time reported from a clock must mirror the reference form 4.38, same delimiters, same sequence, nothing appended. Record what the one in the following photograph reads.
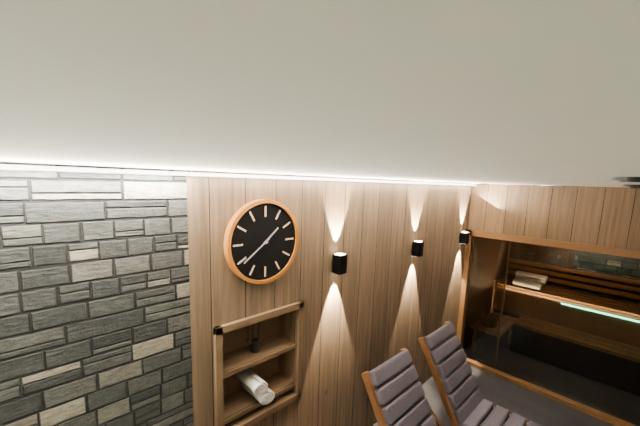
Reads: 1.39
